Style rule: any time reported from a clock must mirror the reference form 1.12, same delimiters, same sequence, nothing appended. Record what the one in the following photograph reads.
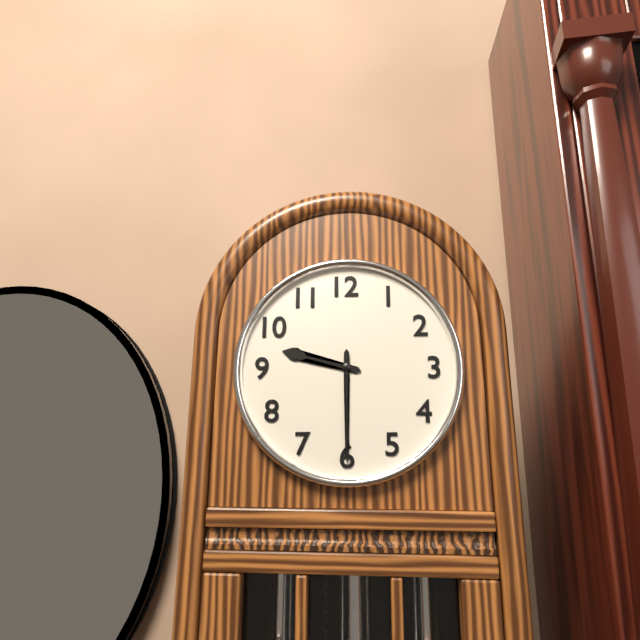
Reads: 9.30
